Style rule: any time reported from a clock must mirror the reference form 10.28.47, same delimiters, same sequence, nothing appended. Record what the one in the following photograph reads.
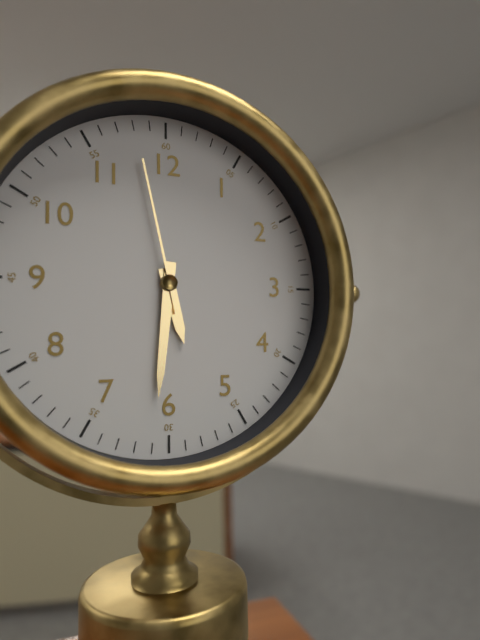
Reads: 5.31.58
